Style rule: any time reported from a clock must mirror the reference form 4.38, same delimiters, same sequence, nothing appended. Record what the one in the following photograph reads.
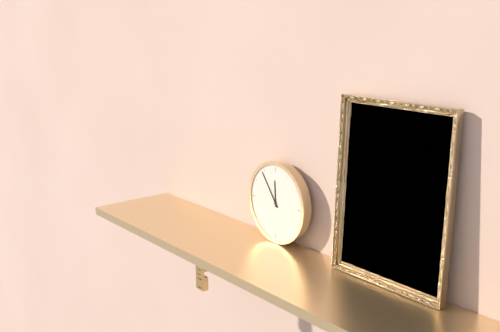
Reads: 11.54
